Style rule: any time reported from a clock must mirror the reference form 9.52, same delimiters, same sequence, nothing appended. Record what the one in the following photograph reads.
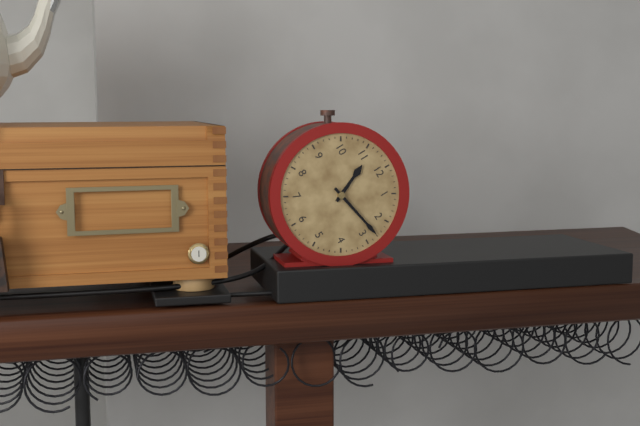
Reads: 11.13
